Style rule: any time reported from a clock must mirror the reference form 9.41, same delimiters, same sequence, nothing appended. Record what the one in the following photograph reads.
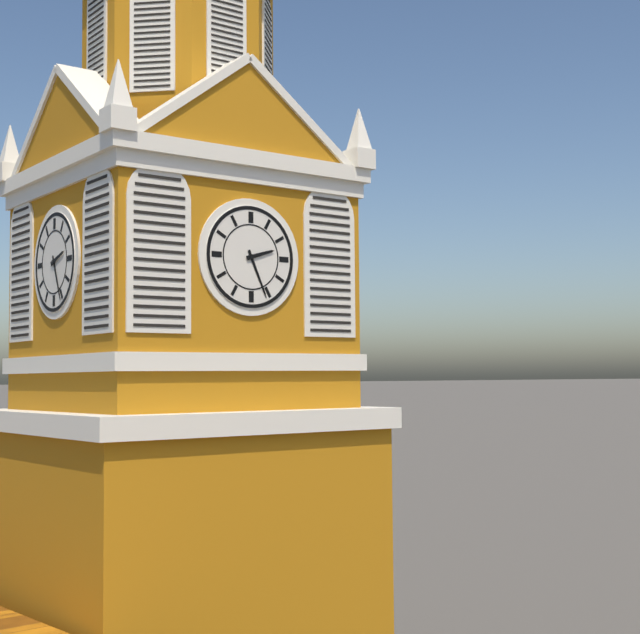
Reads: 2.26
